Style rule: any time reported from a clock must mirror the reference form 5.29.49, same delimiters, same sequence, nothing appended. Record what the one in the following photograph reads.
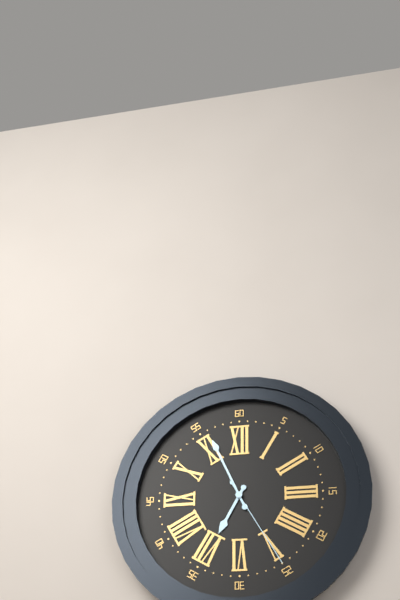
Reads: 6.56.25
